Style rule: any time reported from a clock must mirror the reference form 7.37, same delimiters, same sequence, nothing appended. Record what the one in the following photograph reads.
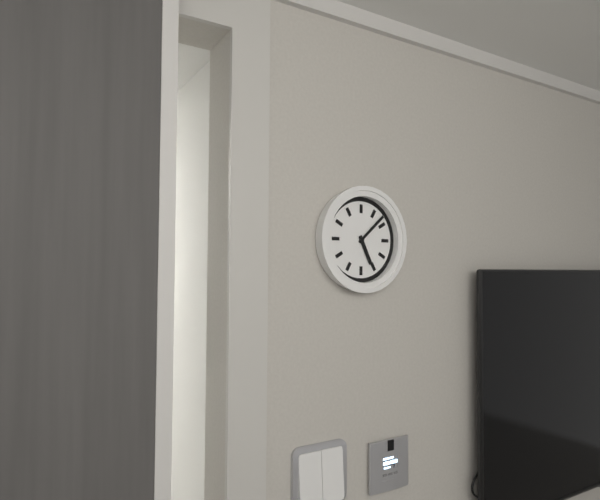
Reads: 5.08
